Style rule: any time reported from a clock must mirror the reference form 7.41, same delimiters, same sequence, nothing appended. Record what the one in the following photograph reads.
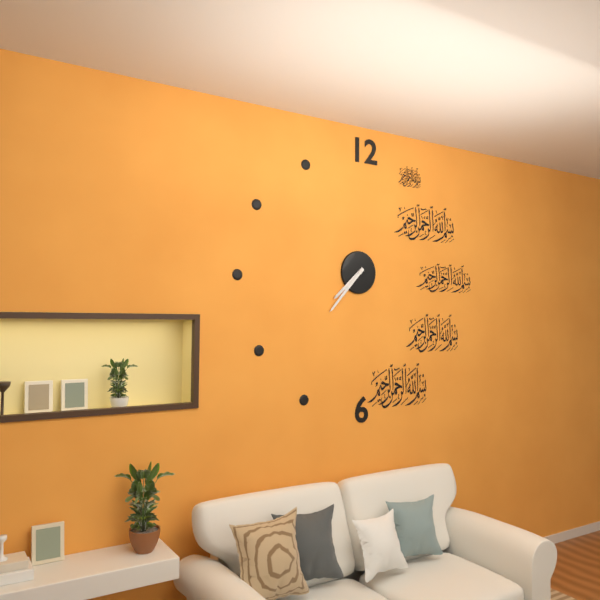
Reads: 7.37
